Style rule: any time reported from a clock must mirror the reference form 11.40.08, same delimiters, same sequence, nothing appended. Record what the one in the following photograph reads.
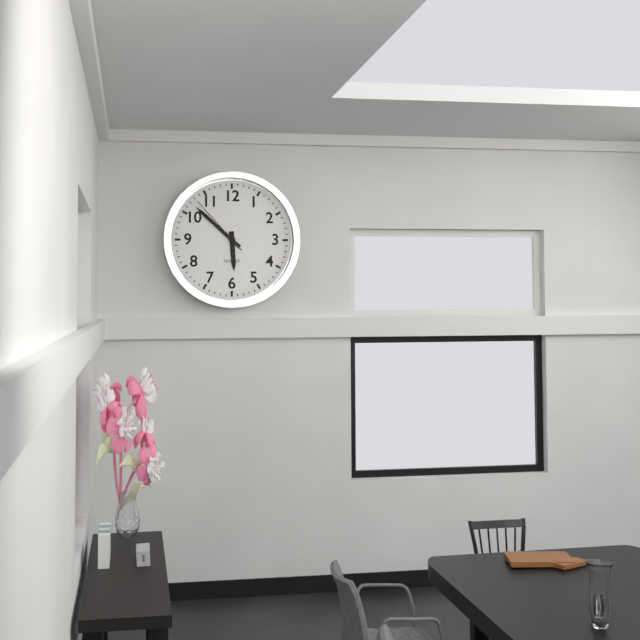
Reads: 5.52.53
